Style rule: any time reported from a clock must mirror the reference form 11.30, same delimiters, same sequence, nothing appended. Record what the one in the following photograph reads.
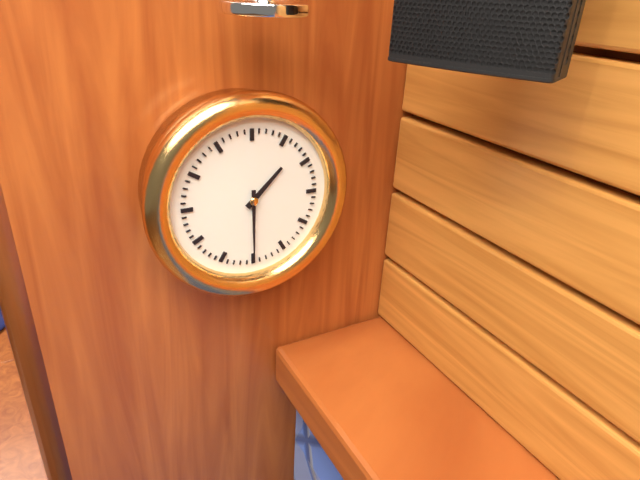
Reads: 1.30
